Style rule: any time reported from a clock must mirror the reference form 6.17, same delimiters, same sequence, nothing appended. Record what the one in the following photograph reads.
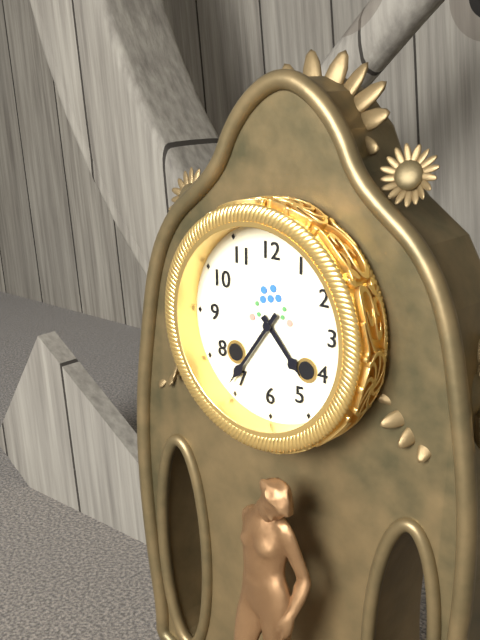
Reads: 4.36
